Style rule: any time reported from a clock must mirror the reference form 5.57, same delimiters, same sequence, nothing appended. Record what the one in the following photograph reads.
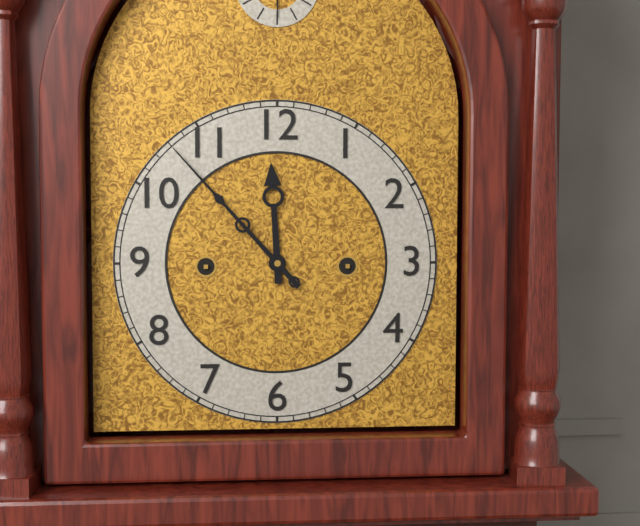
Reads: 11.53
